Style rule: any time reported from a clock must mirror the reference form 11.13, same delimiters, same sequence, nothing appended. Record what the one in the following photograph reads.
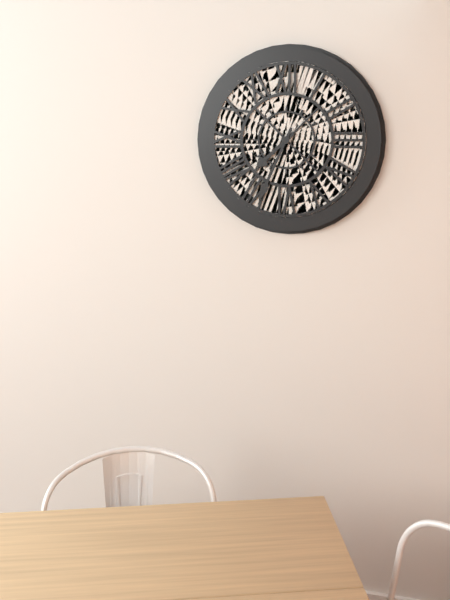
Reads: 7.34
